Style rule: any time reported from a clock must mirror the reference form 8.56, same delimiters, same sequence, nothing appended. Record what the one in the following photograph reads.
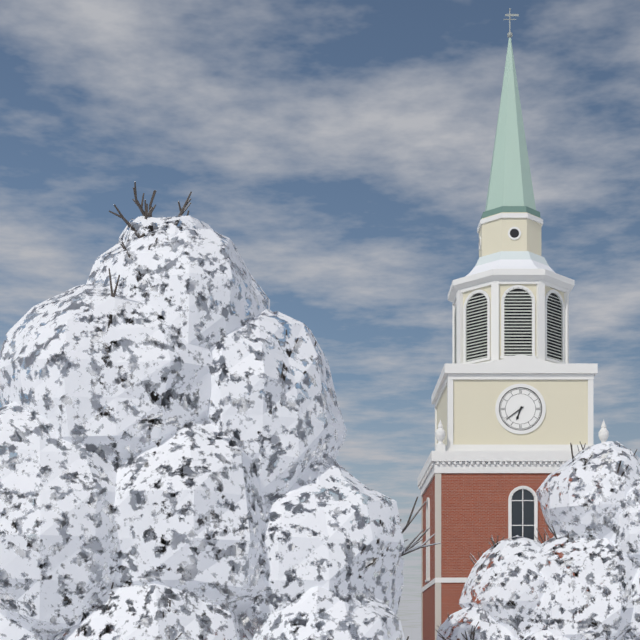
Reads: 6.39
